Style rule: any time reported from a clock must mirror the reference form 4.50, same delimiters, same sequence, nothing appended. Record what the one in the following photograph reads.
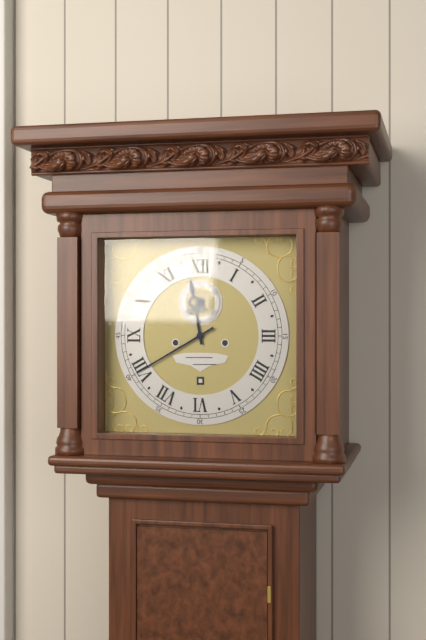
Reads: 11.40
